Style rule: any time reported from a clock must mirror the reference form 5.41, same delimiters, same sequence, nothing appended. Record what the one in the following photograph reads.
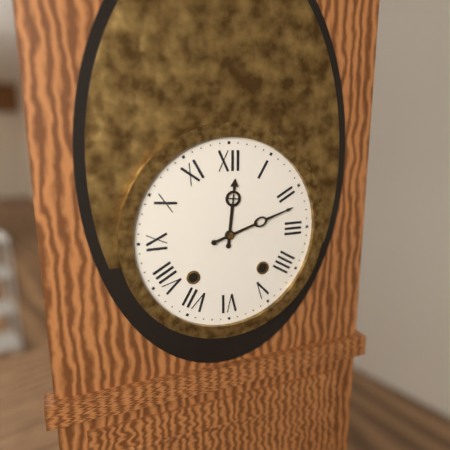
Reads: 12.12
